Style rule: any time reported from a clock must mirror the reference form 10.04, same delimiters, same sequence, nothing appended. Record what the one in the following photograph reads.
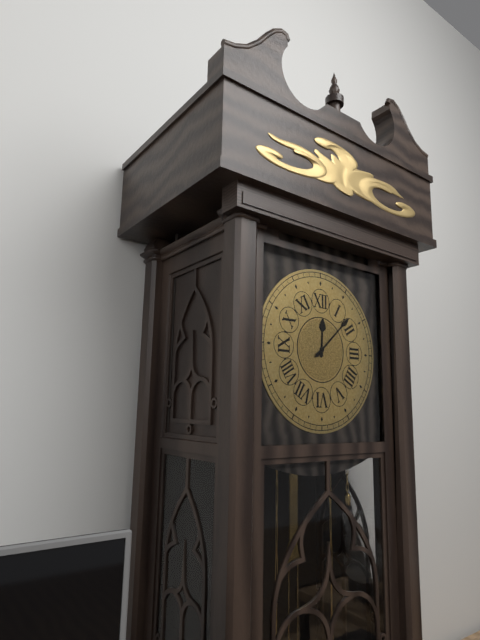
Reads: 12.08
